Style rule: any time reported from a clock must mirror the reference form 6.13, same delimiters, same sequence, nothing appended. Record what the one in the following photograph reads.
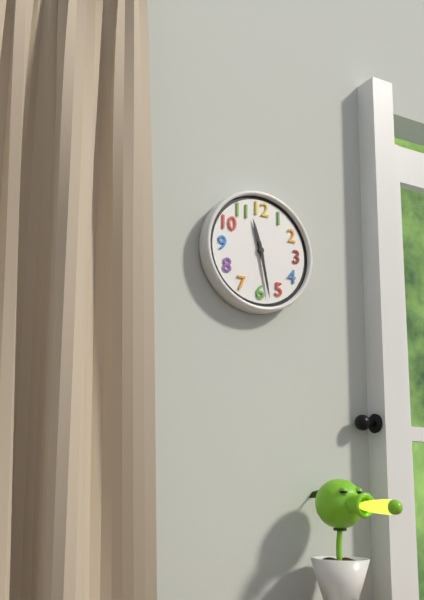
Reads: 11.28
